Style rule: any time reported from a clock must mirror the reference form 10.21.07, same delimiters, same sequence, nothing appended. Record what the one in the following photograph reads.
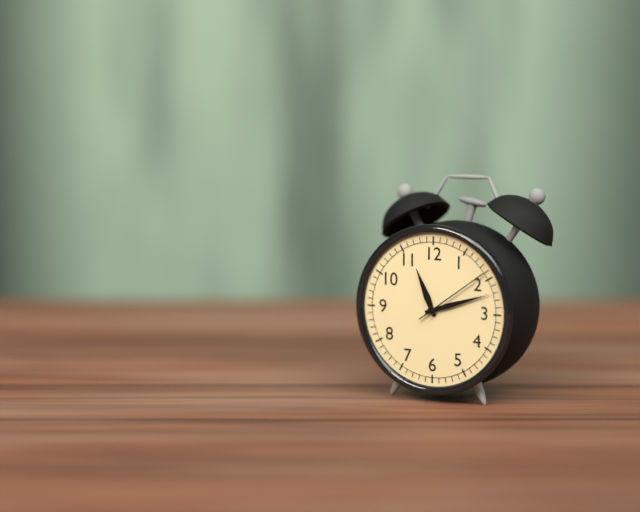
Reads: 11.12.09
